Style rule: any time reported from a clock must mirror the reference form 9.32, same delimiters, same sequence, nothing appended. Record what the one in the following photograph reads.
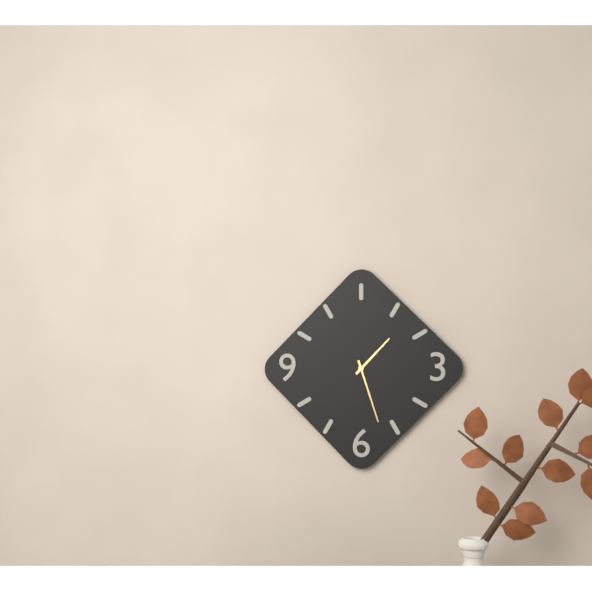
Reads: 1.27
